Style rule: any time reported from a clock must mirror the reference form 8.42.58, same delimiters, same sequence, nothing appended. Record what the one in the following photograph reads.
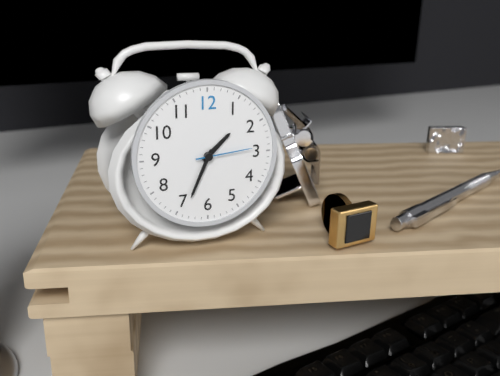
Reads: 1.34.14
